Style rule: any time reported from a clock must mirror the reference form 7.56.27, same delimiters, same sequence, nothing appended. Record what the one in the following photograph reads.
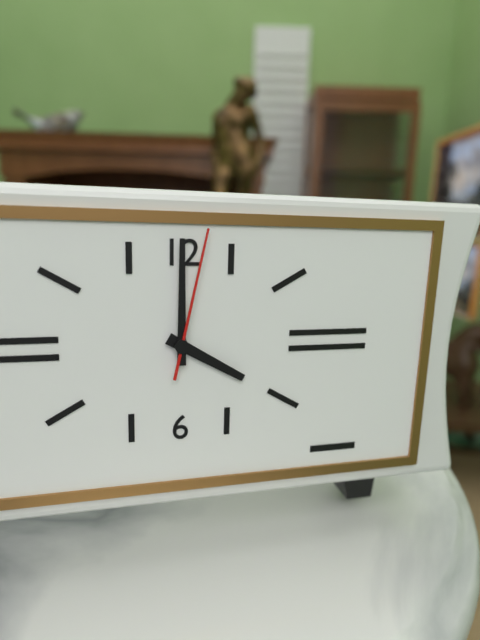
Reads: 4.00.02
